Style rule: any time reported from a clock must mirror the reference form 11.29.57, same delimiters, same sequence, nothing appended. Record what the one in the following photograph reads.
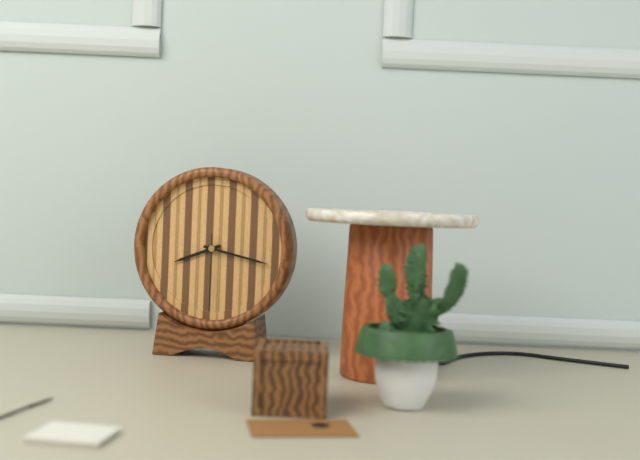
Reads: 8.17.30
